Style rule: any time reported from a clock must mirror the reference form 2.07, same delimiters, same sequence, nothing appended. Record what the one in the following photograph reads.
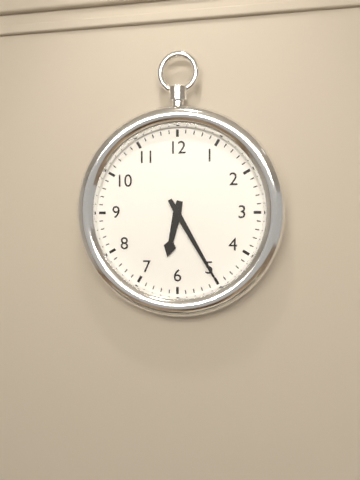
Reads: 6.25
